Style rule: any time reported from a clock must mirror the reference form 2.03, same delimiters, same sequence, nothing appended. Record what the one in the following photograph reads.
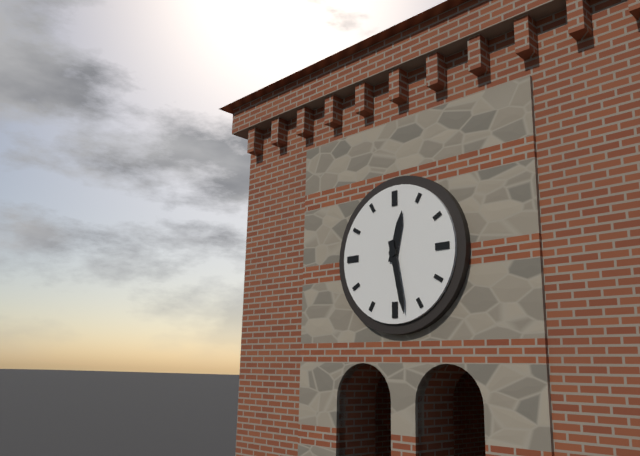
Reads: 12.28
